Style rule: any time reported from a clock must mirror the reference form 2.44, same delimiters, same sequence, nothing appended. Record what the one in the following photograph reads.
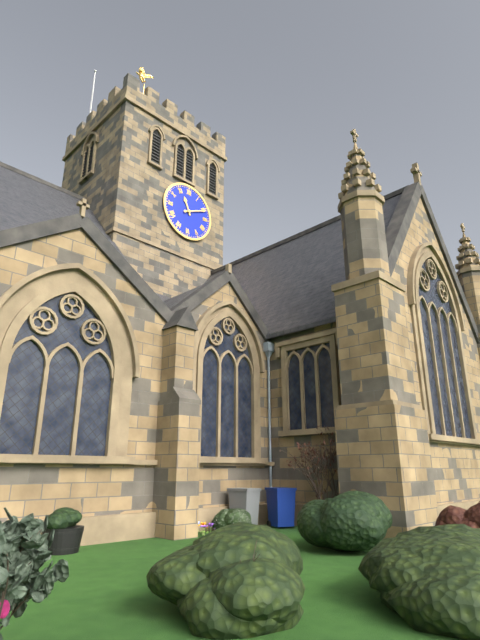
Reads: 11.11
